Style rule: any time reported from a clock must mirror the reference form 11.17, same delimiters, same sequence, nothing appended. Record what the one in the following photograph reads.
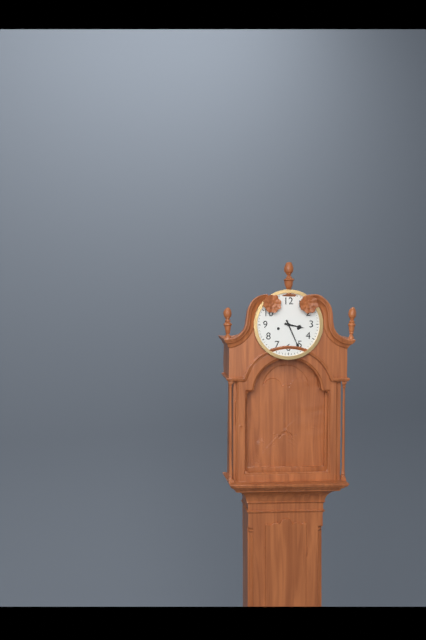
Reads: 3.26
